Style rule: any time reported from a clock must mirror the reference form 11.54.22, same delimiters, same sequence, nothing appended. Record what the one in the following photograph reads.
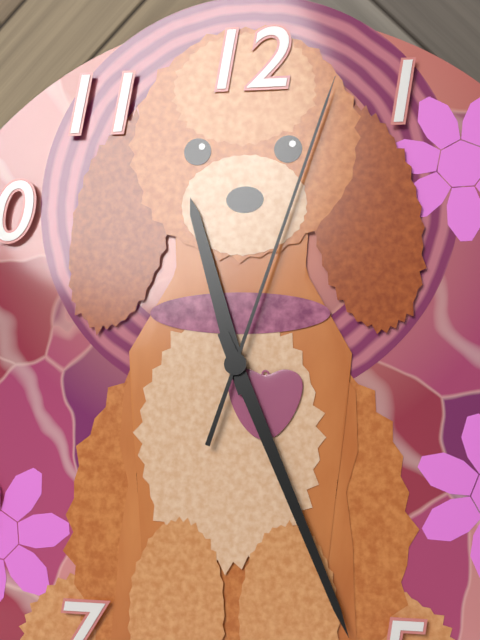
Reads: 11.26.03
